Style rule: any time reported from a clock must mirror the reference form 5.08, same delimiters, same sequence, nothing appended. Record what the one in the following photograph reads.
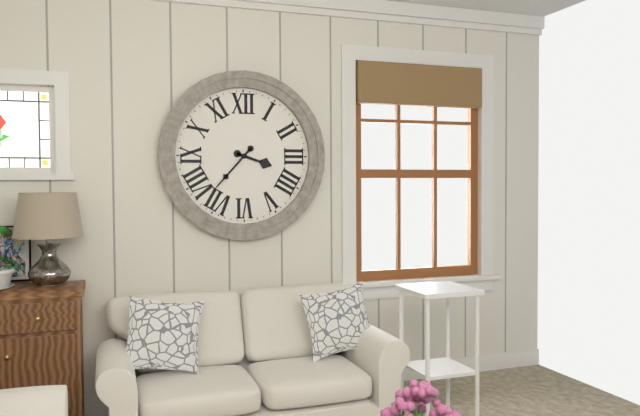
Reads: 3.37
